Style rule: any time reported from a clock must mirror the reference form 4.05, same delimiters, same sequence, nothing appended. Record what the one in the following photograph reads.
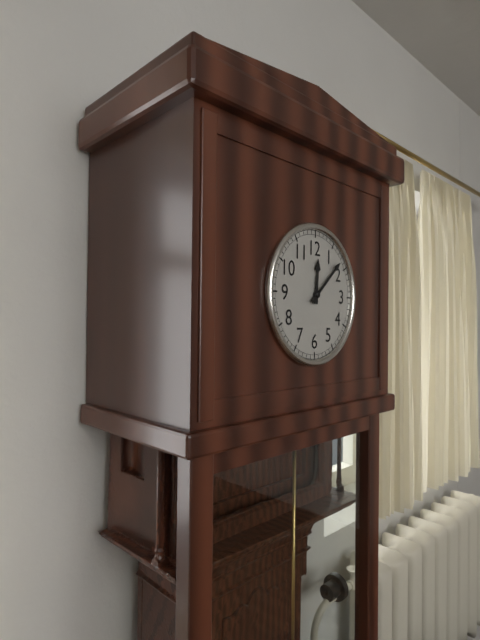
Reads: 12.08
